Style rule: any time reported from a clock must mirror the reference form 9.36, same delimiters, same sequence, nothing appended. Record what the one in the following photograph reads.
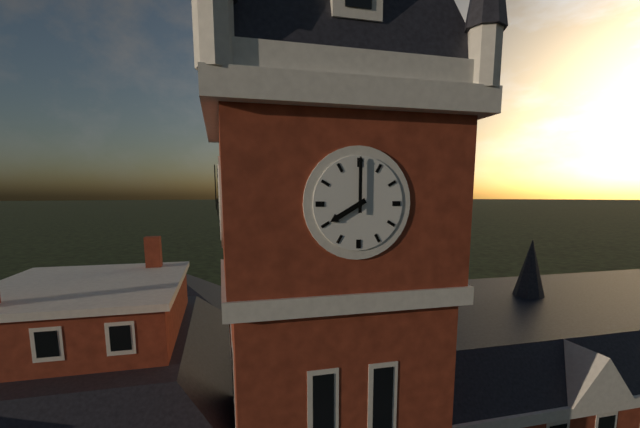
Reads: 8.00
